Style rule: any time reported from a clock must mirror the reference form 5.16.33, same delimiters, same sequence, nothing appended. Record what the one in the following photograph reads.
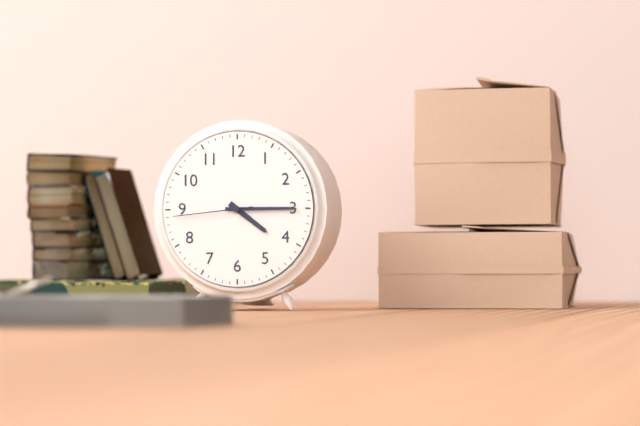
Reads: 4.15.44
